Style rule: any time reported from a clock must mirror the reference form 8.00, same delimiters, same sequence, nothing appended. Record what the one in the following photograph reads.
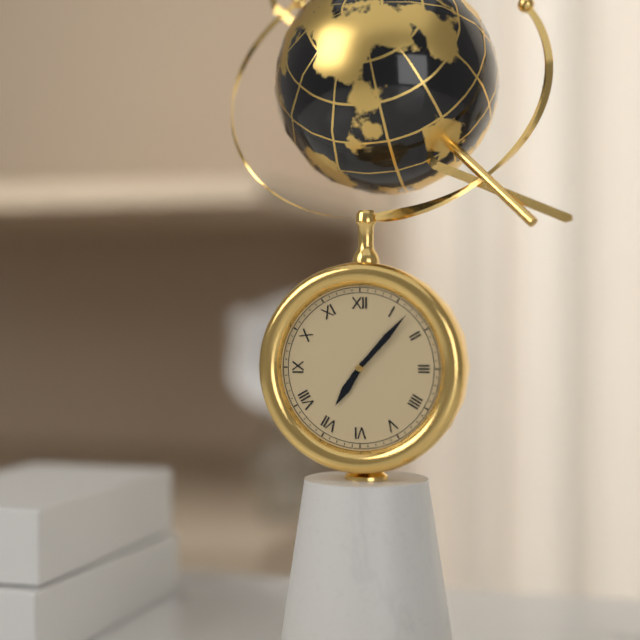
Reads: 7.07
